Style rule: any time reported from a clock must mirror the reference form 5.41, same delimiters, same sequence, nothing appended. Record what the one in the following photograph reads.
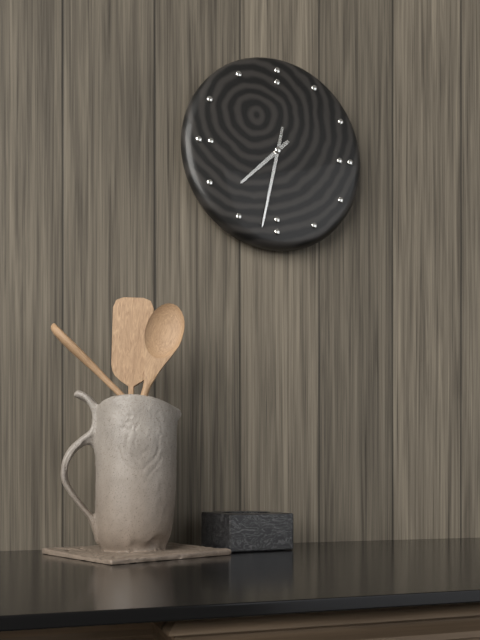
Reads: 7.32
